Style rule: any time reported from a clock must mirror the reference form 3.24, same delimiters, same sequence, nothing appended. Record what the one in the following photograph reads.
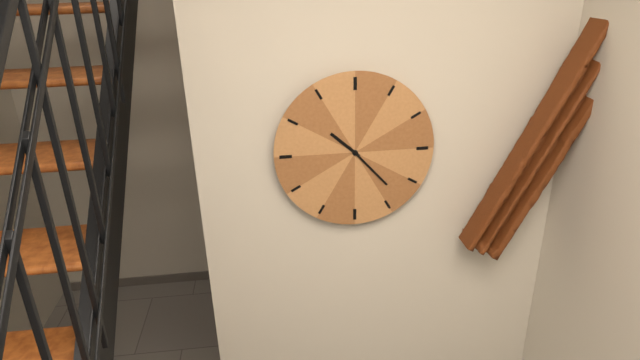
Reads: 10.23
